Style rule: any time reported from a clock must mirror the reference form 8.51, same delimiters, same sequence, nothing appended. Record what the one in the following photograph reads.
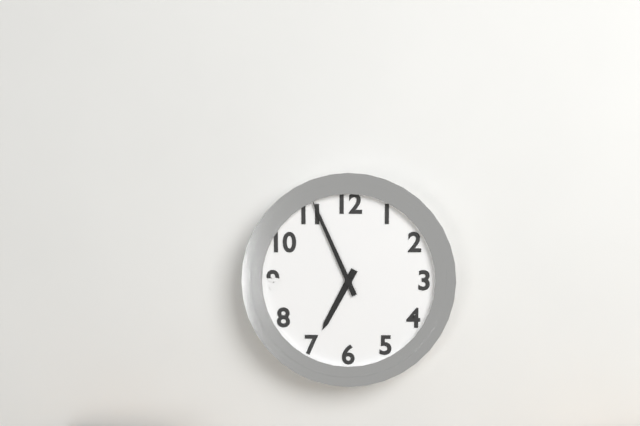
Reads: 6.56
